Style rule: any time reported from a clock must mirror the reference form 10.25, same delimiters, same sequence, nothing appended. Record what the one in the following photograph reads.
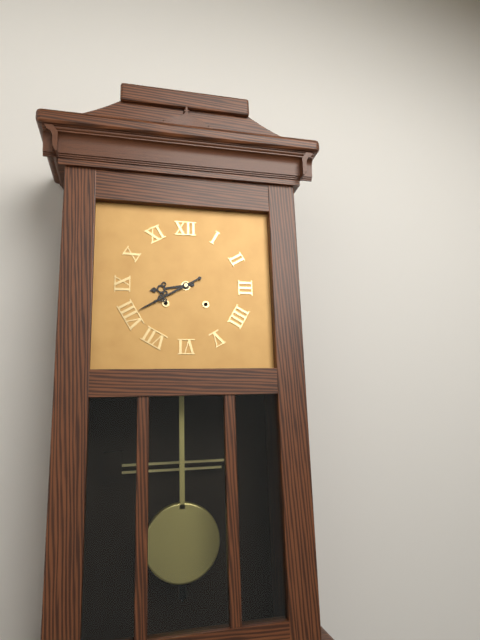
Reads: 8.40
